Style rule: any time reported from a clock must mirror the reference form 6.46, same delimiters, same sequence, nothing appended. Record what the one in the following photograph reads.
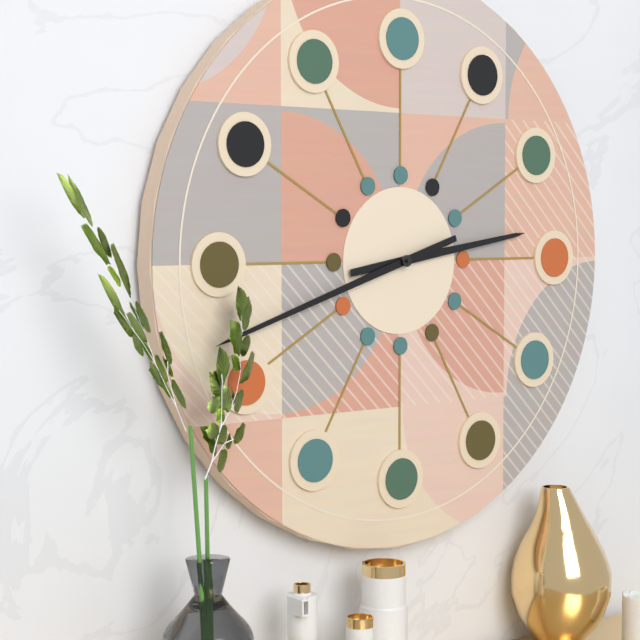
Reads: 2.42
